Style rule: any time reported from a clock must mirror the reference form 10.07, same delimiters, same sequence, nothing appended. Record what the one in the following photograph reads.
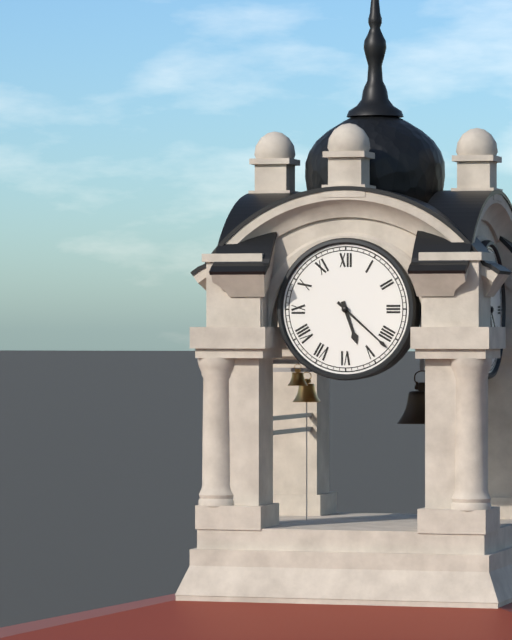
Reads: 5.22
